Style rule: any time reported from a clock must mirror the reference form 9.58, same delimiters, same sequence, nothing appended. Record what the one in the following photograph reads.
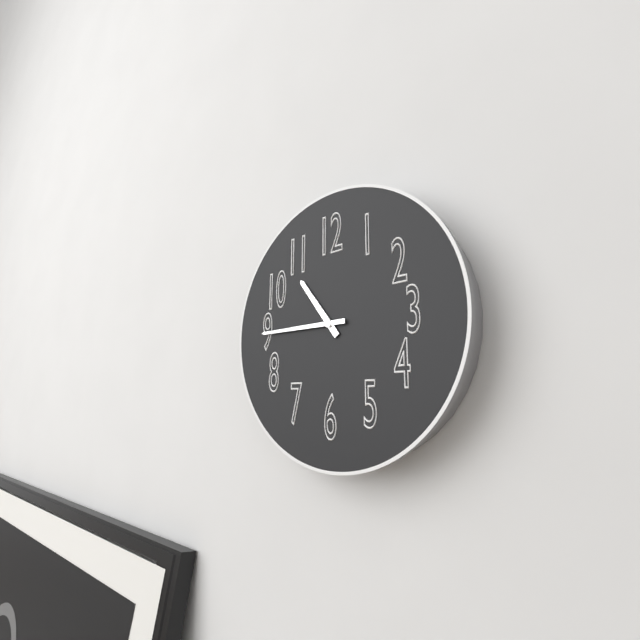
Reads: 10.45
